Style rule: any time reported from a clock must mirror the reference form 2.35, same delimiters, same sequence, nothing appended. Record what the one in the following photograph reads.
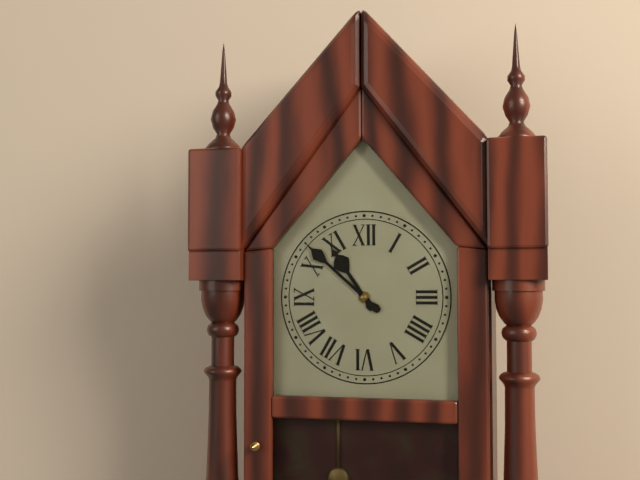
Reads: 10.52
